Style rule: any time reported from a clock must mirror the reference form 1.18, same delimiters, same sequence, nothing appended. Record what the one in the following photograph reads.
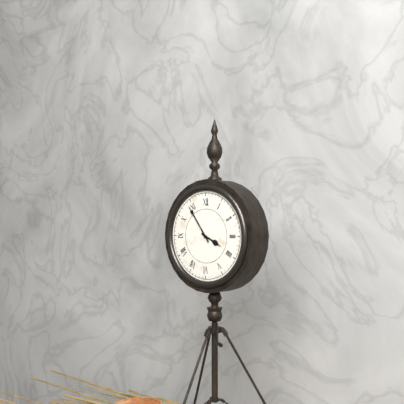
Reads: 3.54
